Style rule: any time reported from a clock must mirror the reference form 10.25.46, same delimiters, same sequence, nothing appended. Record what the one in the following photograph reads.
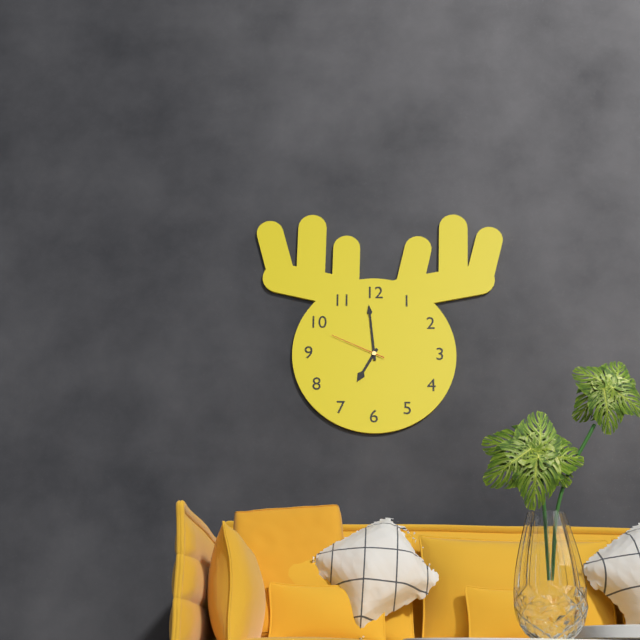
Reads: 6.59.49
